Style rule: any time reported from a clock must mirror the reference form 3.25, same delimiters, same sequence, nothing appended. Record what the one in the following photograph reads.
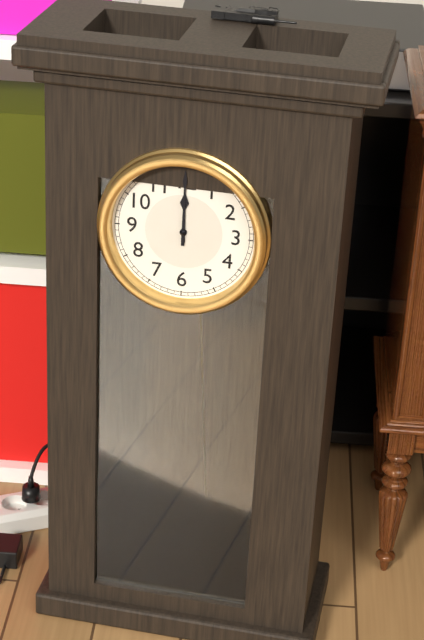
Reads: 12.00
